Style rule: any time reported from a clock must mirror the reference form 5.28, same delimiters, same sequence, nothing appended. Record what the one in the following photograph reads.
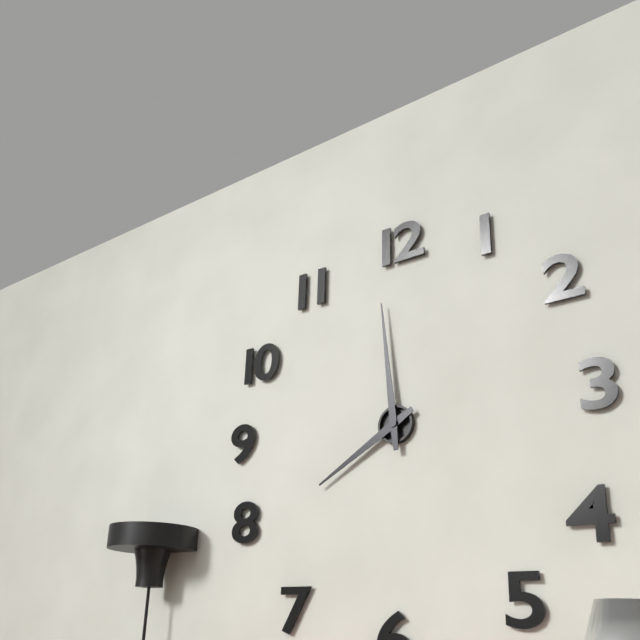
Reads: 7.59
